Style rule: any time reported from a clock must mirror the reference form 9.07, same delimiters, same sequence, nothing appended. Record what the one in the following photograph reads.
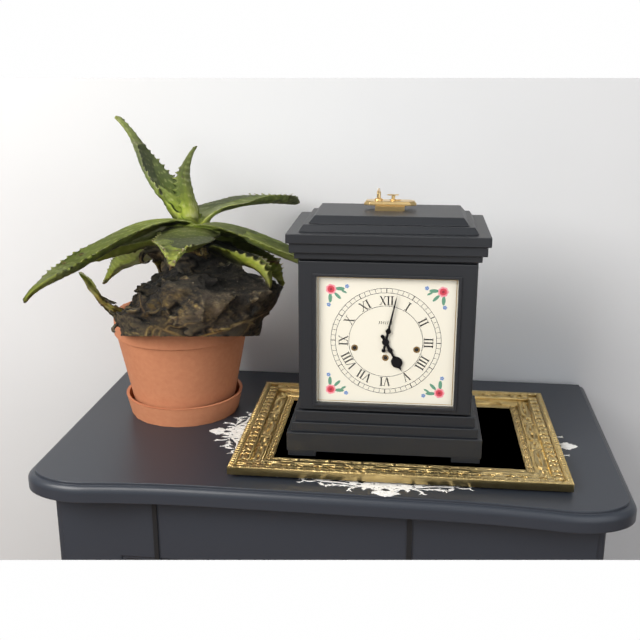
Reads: 5.02
